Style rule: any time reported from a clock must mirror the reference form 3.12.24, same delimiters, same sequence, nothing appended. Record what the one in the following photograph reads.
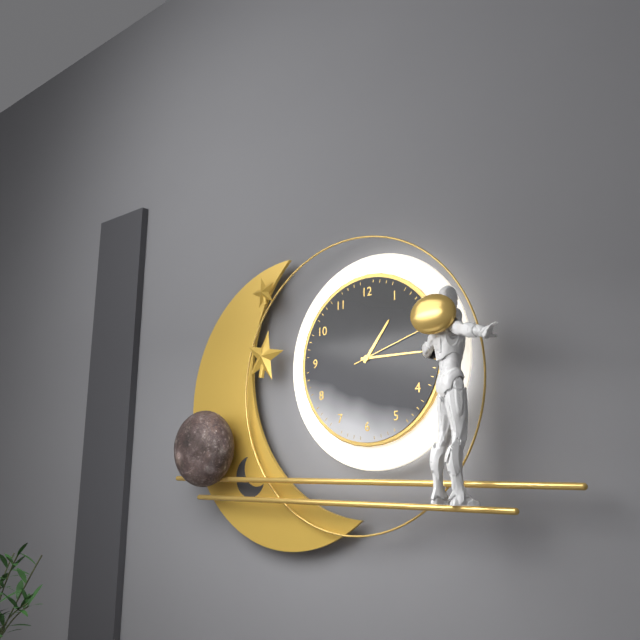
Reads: 1.15.12
